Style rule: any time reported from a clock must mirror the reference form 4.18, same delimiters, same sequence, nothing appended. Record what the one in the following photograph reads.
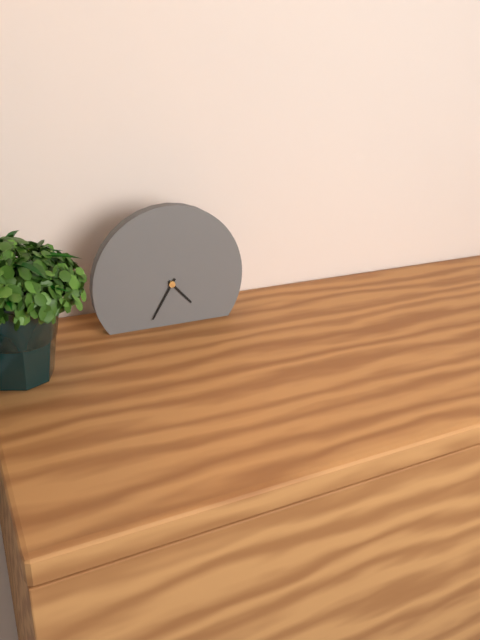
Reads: 4.35
